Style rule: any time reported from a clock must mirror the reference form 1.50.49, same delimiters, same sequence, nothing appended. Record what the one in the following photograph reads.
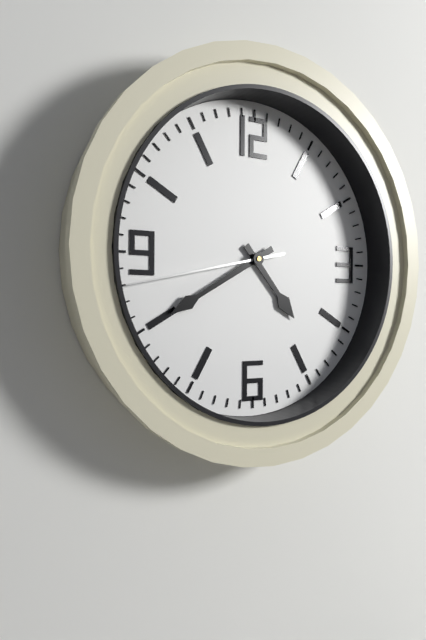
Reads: 4.40.43
